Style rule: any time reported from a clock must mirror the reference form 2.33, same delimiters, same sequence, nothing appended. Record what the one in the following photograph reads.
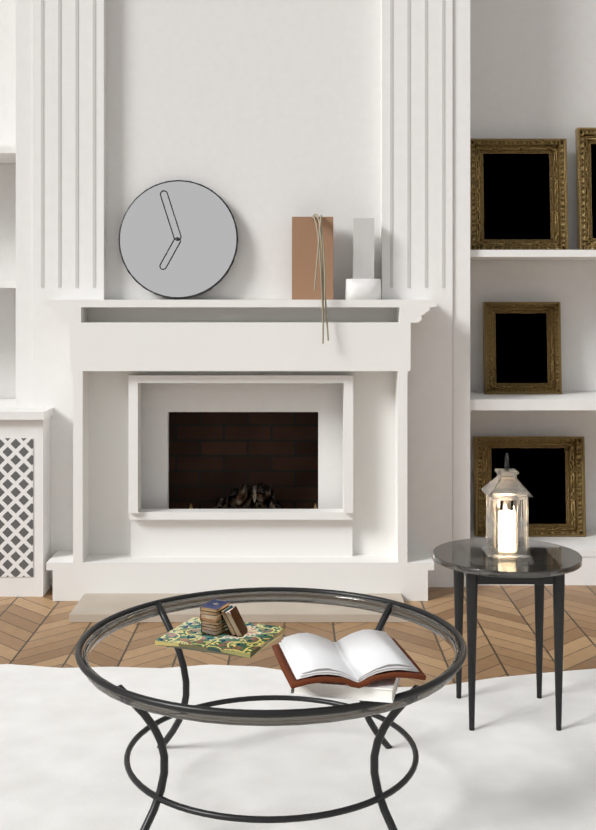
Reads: 6.57
